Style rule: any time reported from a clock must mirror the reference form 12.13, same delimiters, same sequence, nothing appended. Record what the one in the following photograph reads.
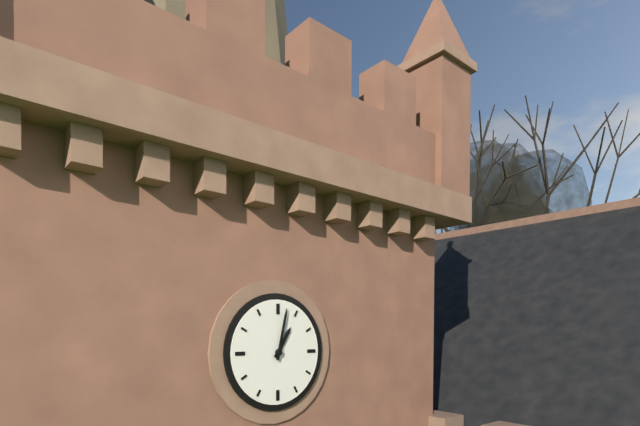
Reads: 1.02
